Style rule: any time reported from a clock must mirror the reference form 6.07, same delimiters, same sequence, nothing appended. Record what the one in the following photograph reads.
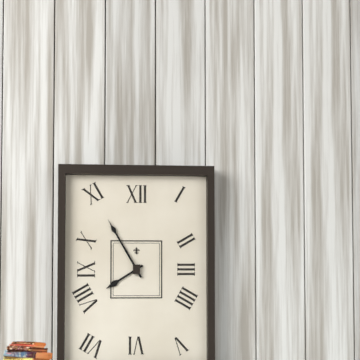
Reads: 7.55
